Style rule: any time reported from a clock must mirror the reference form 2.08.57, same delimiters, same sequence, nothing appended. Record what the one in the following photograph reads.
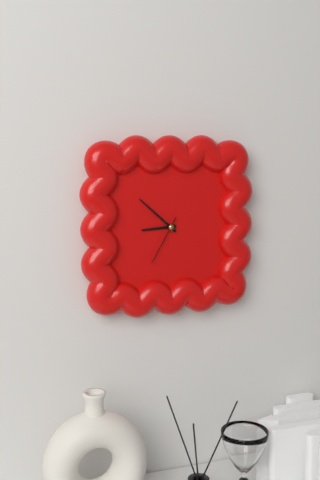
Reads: 8.52.35
